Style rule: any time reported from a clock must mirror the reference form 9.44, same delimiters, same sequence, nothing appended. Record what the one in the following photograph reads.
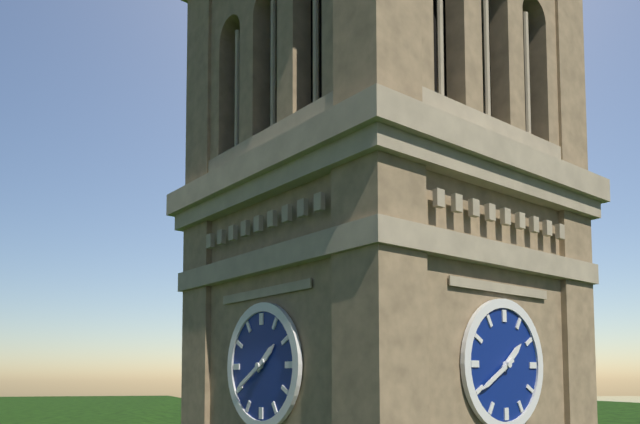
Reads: 1.40
